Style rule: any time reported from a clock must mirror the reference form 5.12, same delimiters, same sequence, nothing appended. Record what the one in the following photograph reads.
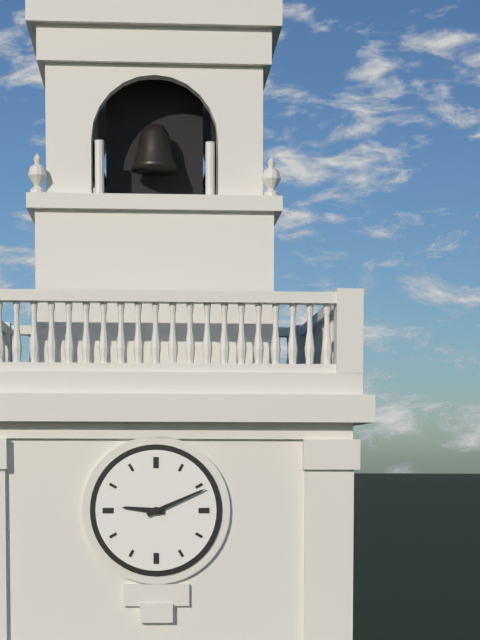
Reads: 9.11
